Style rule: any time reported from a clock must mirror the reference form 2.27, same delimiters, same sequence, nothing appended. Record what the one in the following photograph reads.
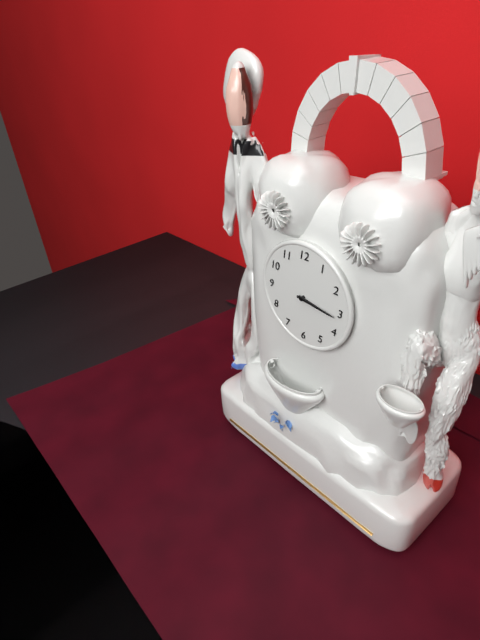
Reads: 3.16
